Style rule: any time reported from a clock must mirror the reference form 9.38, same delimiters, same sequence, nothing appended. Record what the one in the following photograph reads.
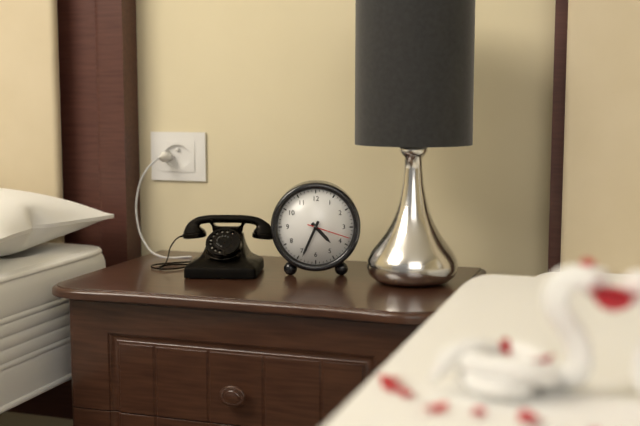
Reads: 4.34
